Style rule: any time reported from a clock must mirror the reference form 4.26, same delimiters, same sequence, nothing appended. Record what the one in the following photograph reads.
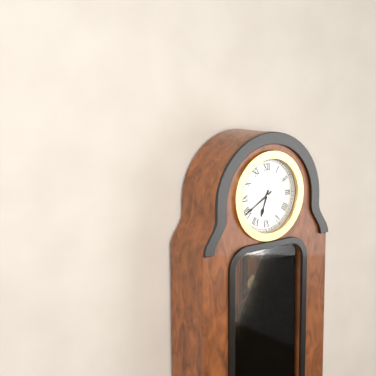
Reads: 6.40
